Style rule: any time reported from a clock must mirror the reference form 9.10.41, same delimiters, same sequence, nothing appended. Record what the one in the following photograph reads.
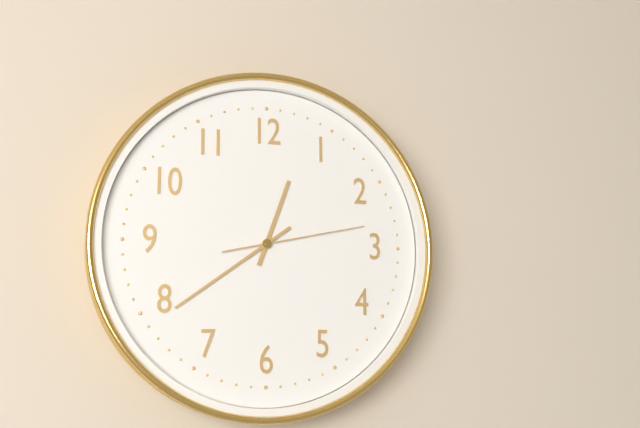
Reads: 12.39.13
